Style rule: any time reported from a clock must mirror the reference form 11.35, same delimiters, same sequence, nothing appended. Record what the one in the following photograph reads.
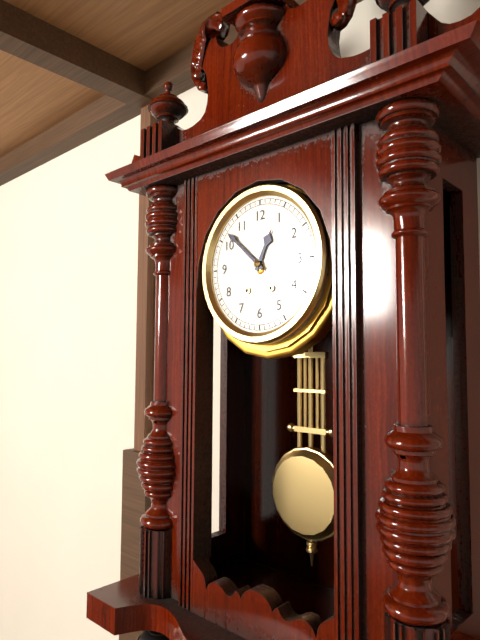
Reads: 12.52
